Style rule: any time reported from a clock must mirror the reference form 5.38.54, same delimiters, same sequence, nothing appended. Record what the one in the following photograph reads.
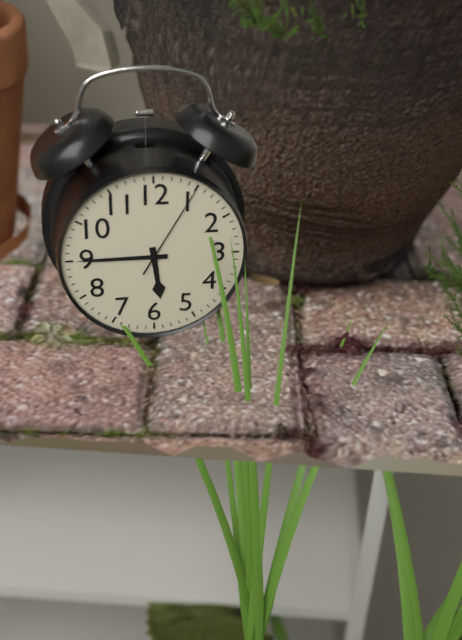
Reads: 5.45.05
